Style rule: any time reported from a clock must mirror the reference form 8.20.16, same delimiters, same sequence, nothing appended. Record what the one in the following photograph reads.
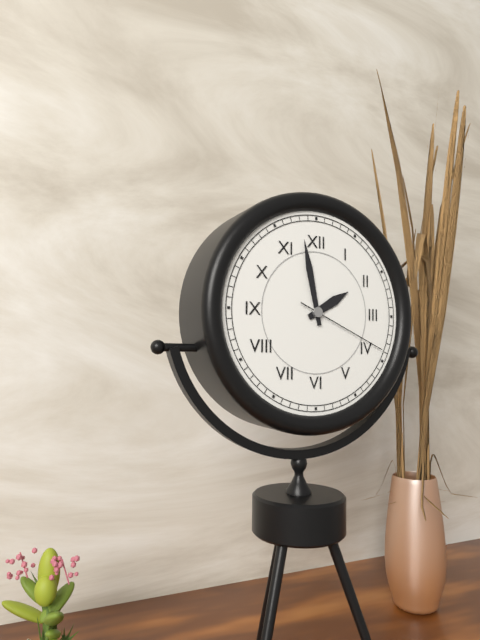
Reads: 1.58.19
